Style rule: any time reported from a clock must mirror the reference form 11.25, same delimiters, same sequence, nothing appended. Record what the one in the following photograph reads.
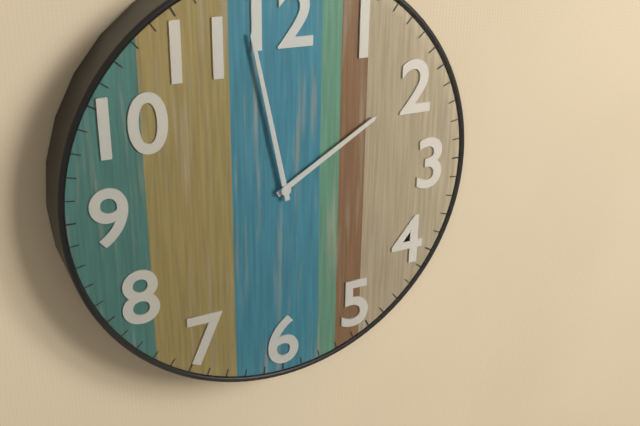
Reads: 1.58
